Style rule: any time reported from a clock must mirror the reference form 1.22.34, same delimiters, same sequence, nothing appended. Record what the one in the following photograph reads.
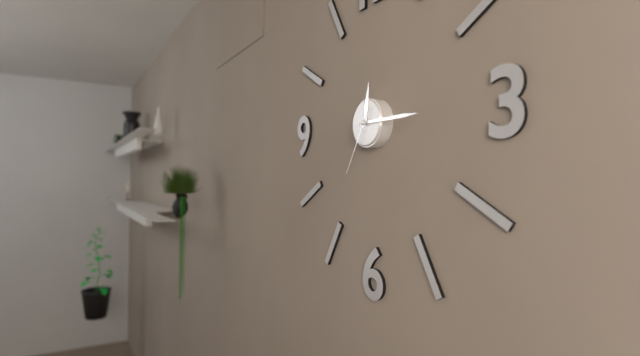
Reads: 12.15.35
